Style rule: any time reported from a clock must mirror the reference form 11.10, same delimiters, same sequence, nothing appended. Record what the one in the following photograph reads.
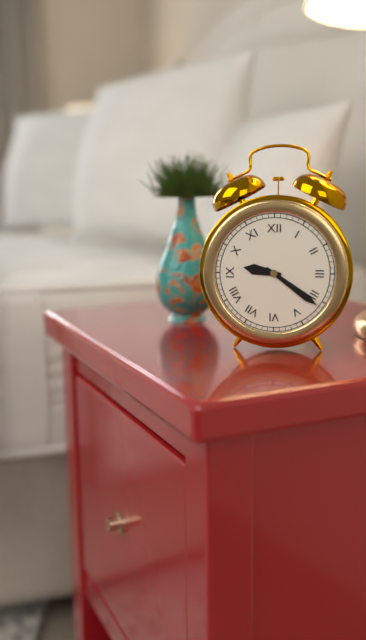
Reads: 9.21
